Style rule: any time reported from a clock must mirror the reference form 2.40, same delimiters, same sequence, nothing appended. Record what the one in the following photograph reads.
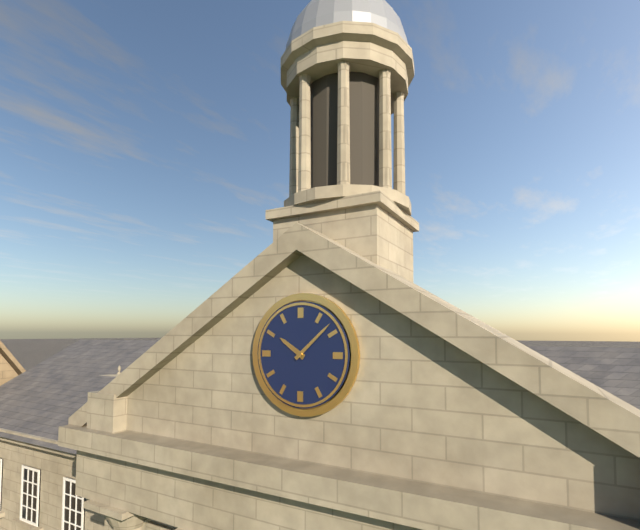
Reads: 10.08
